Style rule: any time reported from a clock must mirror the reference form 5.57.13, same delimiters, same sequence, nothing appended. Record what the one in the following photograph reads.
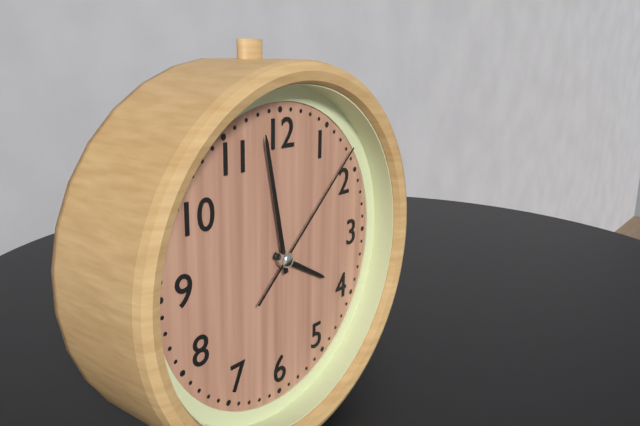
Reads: 3.58.08
